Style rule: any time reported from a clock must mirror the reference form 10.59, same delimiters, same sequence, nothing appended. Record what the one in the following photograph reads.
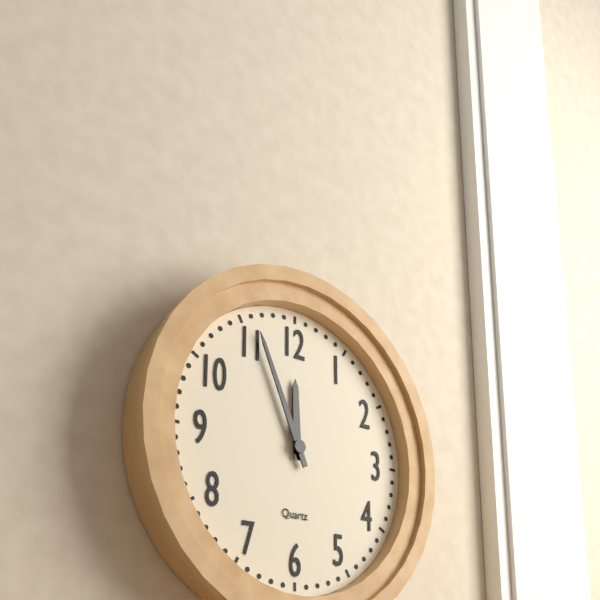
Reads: 11.56
